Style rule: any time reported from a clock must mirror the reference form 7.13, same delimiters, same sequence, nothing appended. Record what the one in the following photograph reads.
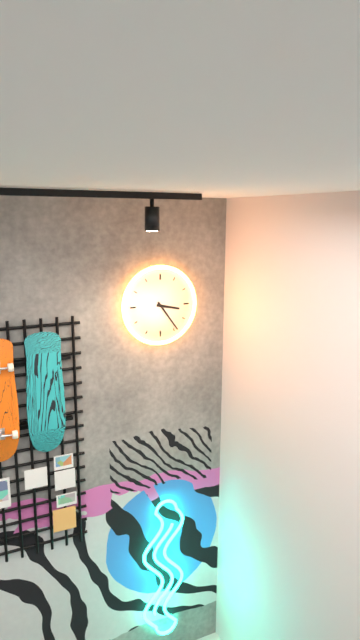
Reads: 3.24
